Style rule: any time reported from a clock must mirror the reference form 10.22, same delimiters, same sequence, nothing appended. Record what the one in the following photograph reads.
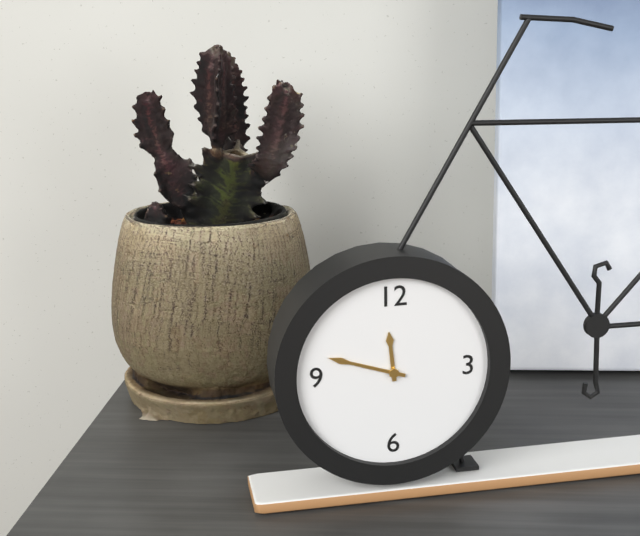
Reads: 11.48
